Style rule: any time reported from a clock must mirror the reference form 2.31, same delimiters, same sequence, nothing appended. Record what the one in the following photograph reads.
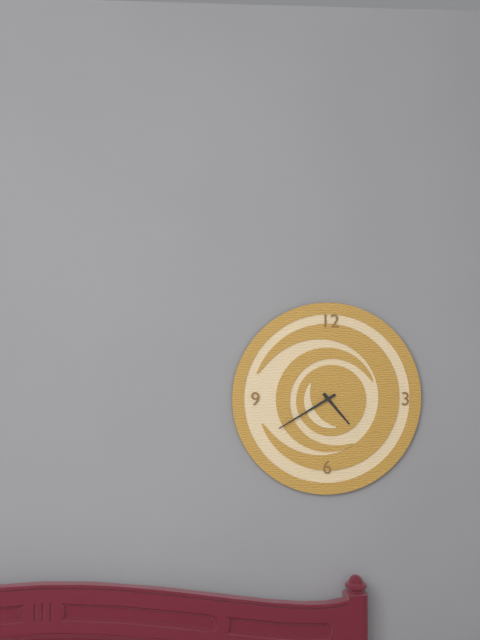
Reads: 4.40
